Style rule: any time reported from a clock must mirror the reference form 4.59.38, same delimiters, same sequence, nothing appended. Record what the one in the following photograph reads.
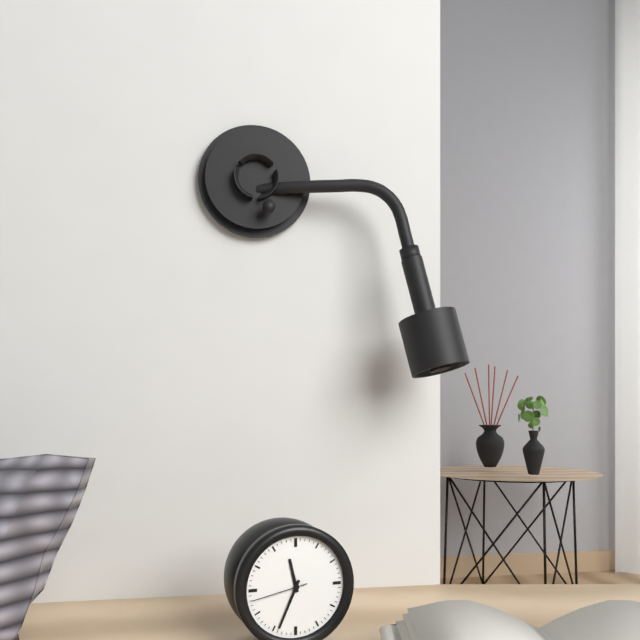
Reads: 11.34.43
